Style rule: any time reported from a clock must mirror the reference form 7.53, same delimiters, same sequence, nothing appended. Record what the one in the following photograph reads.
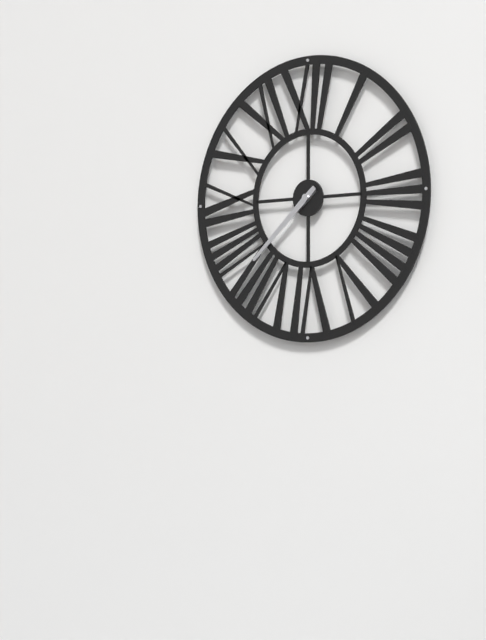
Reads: 7.38
